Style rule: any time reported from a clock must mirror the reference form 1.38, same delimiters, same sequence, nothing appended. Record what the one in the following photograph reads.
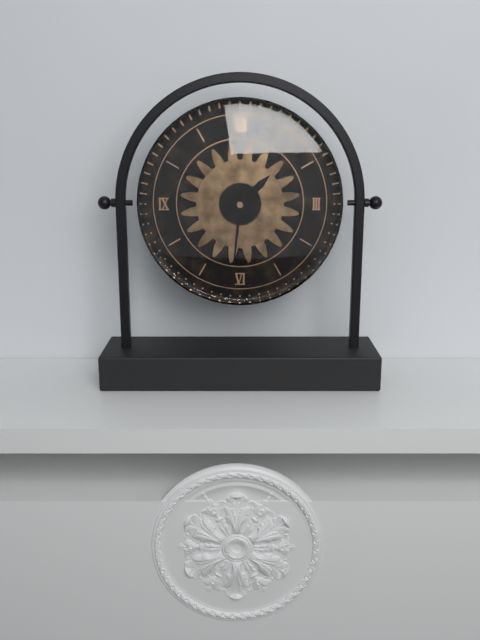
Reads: 1.31
